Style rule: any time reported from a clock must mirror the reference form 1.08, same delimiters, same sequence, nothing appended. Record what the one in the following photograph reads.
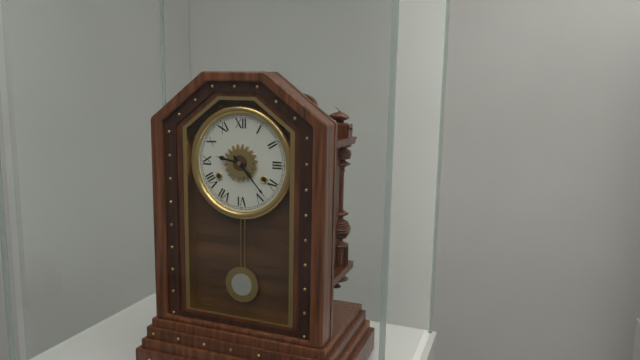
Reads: 9.23
